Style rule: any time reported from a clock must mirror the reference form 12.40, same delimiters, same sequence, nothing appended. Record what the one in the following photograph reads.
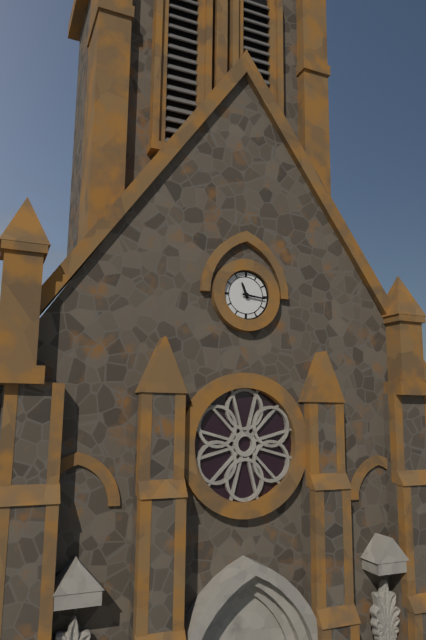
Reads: 11.16
